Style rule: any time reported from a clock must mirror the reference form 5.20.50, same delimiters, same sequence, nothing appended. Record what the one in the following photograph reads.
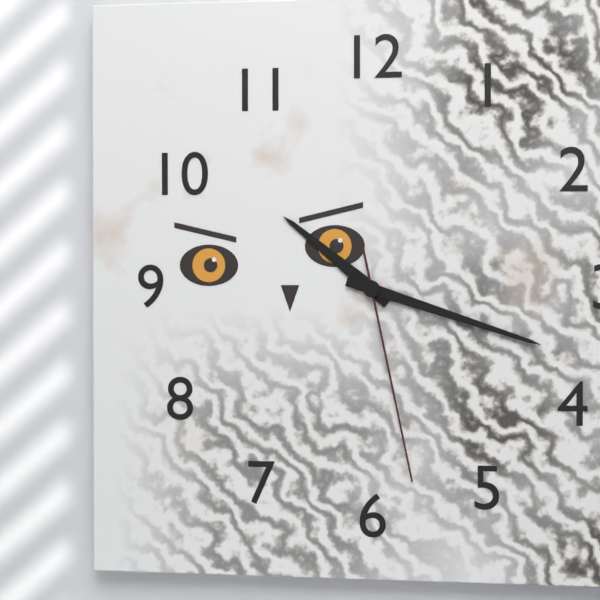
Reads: 10.18.28
